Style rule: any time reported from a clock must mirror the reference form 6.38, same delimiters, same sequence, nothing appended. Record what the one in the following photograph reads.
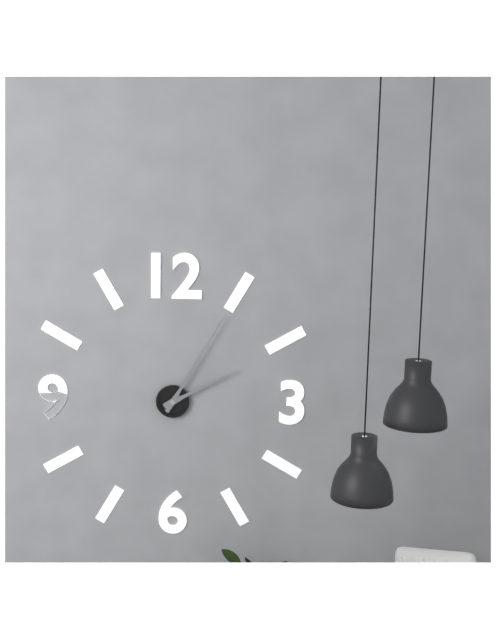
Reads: 2.05
